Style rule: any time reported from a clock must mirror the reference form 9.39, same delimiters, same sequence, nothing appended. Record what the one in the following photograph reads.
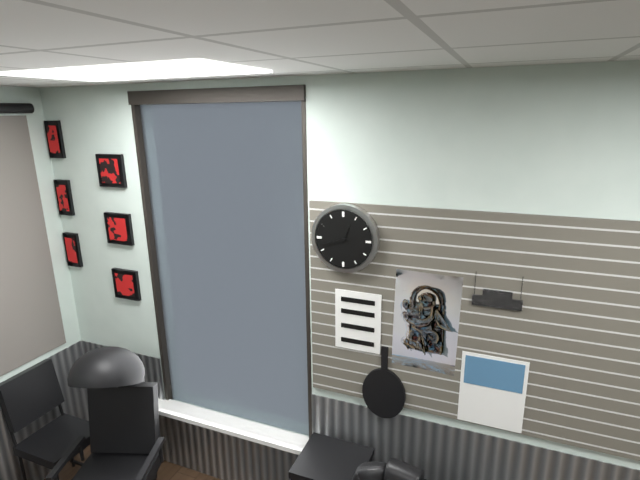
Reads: 12.42
